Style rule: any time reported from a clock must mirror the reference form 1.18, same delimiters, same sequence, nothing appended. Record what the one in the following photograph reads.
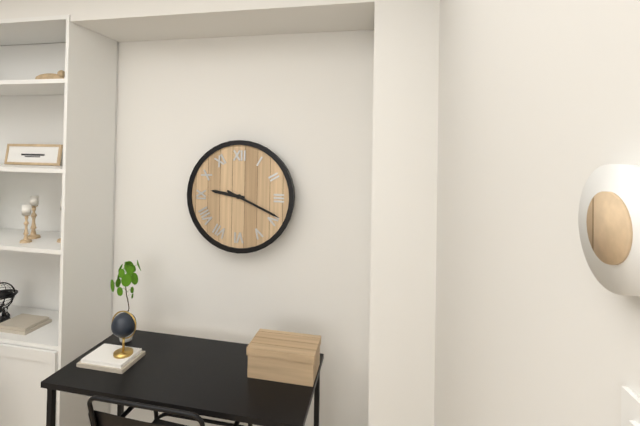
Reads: 9.19
